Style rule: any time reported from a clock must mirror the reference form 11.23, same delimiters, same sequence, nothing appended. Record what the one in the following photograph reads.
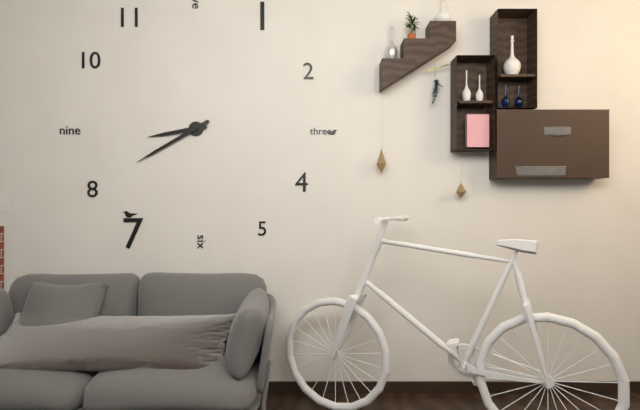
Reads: 8.40
